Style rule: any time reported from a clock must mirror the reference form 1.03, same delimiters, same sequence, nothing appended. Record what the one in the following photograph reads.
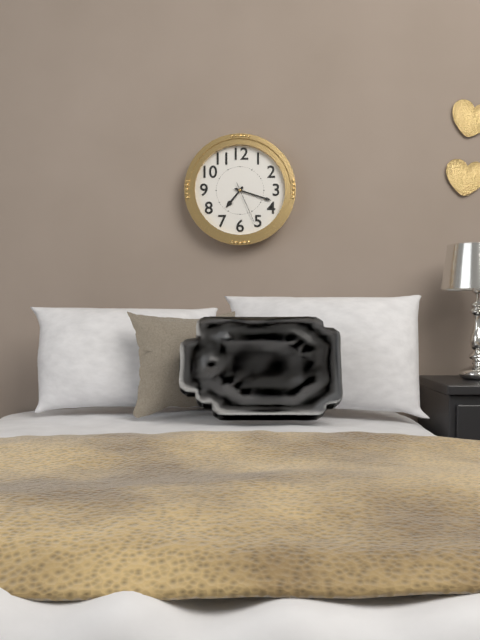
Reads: 7.18
